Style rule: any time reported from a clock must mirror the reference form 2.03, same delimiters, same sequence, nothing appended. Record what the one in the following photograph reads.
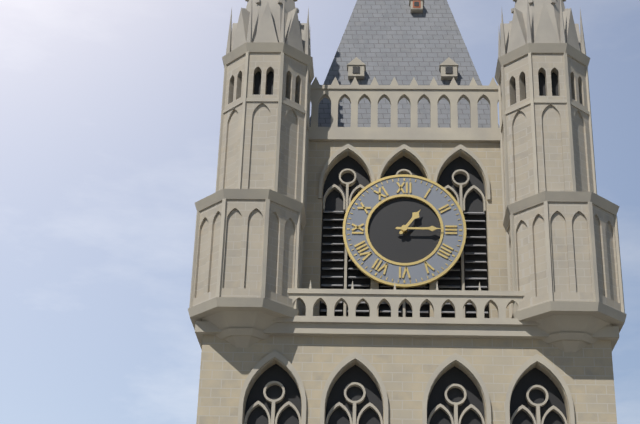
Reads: 1.15
